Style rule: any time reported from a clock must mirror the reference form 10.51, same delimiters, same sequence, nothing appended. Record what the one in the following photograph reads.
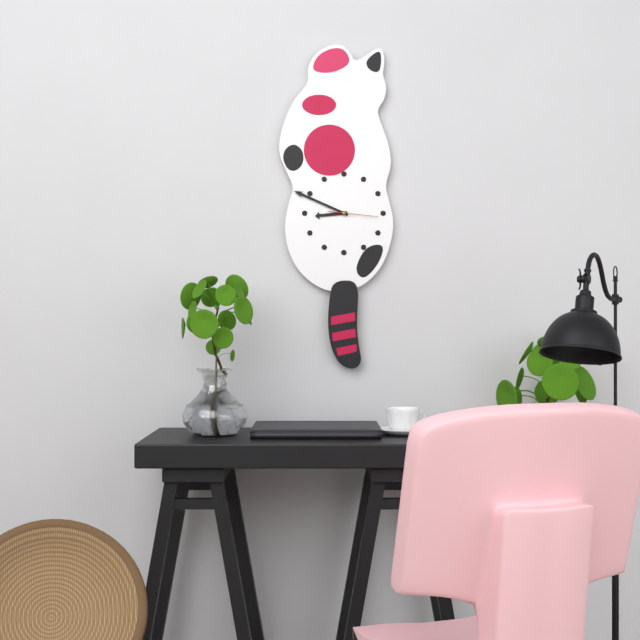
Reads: 8.49
